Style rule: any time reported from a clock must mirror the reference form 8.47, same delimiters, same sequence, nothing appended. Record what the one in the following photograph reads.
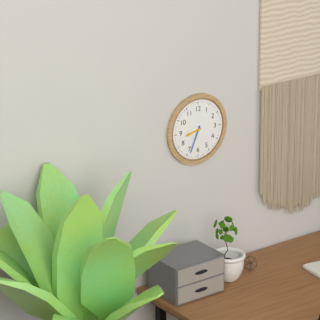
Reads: 8.34
